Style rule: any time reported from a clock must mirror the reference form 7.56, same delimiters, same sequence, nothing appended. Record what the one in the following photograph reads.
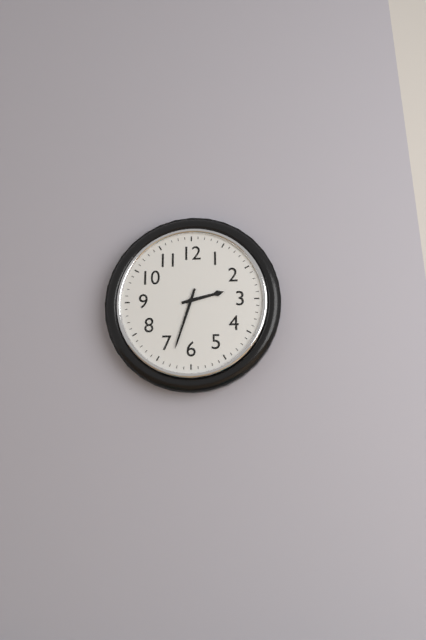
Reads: 2.33
